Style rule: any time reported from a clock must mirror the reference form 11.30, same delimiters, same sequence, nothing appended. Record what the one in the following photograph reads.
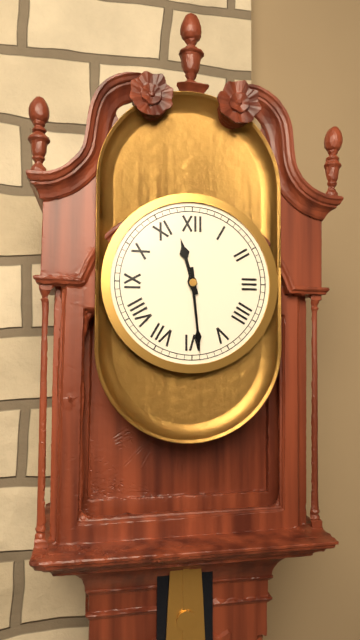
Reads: 11.29
